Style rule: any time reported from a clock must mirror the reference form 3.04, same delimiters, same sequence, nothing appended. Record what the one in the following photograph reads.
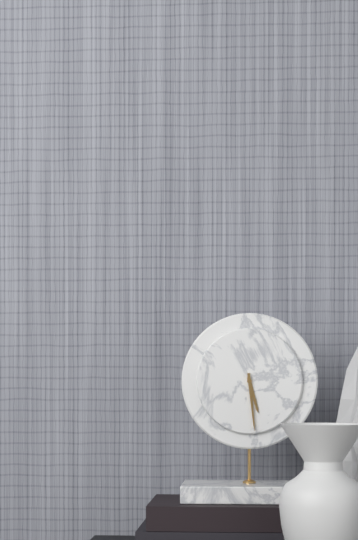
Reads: 5.29
